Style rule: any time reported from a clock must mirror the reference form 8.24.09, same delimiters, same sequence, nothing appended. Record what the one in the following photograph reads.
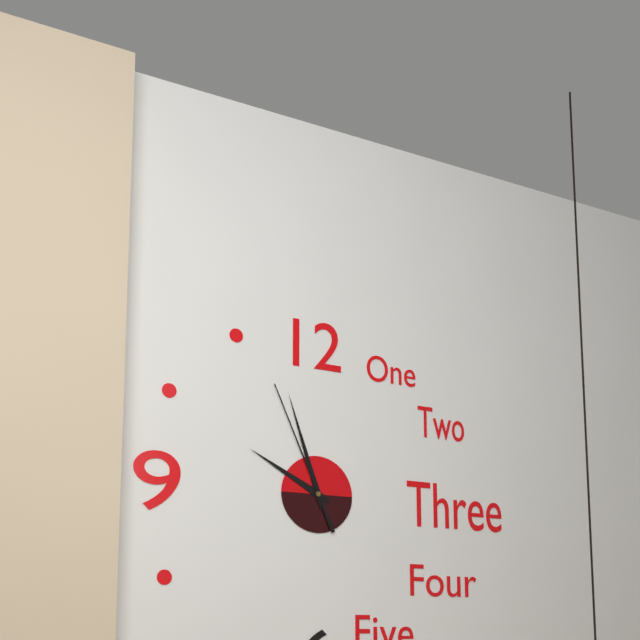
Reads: 9.57.56
